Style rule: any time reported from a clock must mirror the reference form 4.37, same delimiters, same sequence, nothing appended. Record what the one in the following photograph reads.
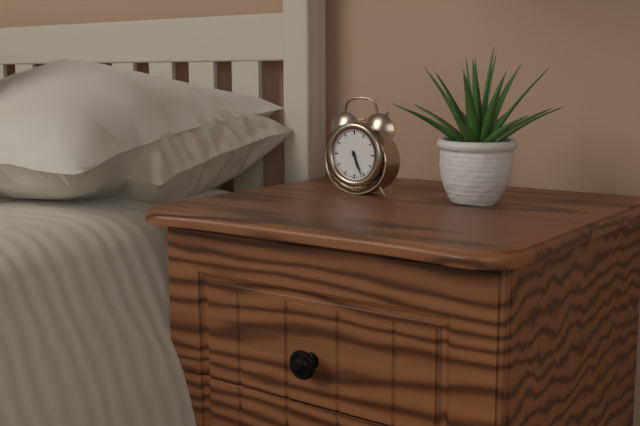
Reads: 5.26
